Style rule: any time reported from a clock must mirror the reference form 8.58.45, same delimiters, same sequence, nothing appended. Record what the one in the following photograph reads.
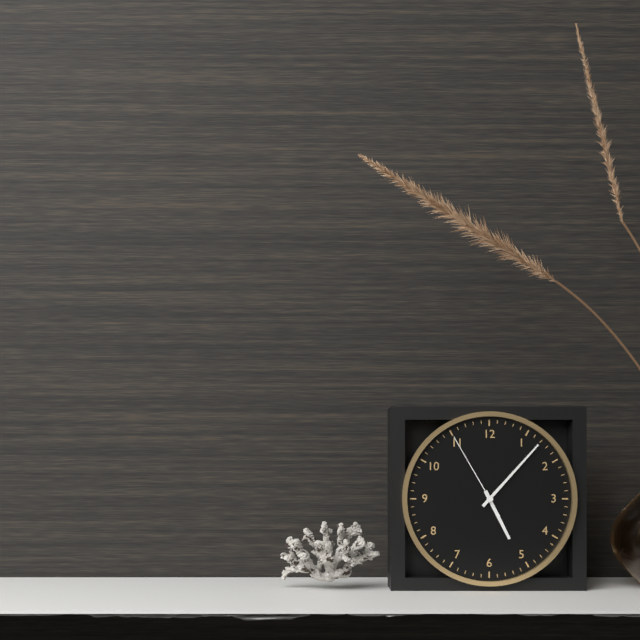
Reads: 5.07.55
